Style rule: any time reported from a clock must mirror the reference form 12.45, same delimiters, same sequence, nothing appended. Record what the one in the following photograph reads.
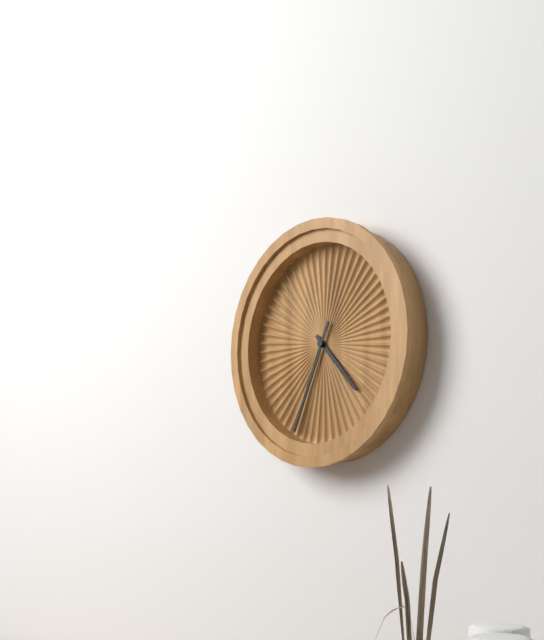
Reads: 4.34
